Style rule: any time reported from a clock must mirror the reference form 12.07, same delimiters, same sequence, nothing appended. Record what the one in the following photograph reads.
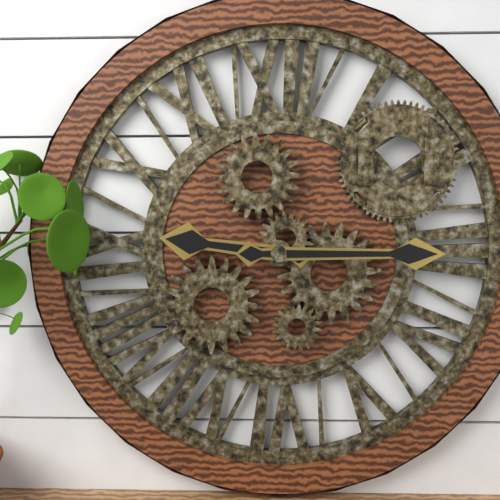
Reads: 9.15
